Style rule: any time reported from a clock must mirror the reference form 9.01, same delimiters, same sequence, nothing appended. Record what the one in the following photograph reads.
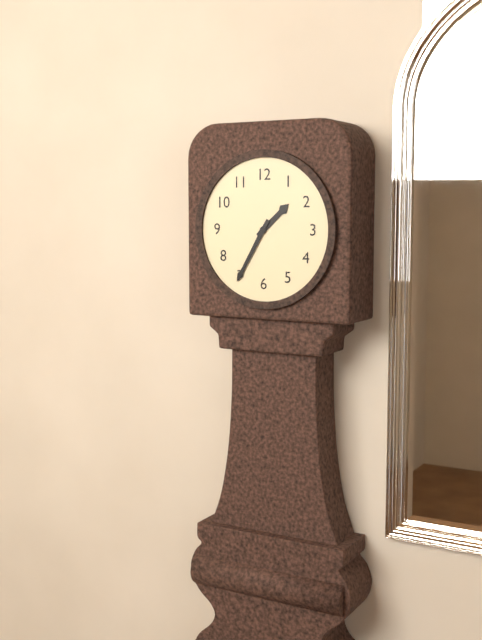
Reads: 1.35
